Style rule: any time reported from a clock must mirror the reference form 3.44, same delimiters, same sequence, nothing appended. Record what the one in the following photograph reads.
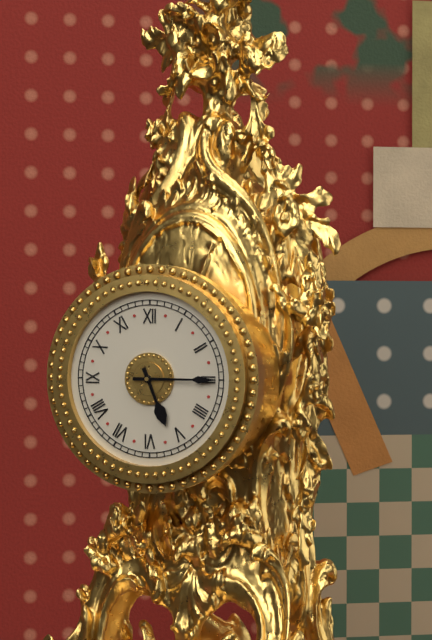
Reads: 5.15
